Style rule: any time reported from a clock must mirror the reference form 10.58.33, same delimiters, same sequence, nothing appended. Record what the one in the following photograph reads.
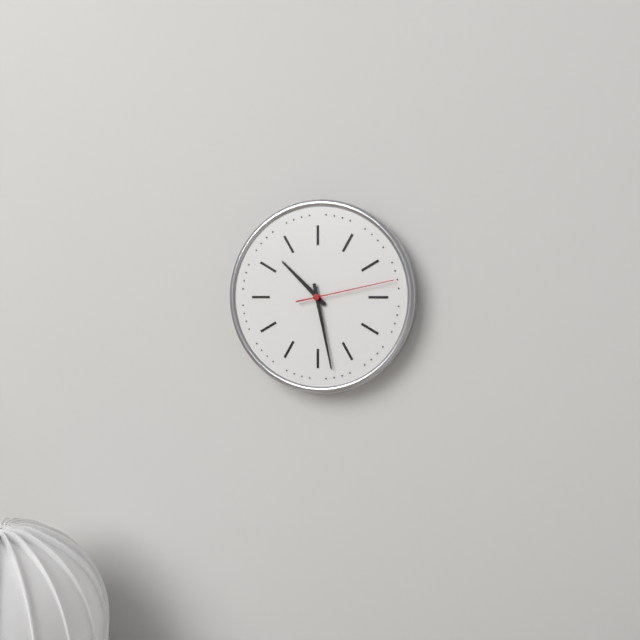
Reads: 10.28.13
